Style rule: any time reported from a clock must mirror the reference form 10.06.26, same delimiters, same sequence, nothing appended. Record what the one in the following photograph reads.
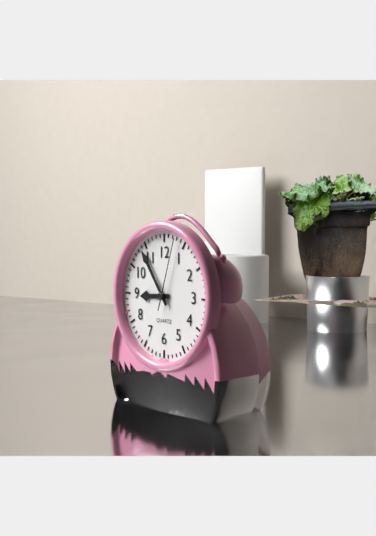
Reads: 8.54.03
